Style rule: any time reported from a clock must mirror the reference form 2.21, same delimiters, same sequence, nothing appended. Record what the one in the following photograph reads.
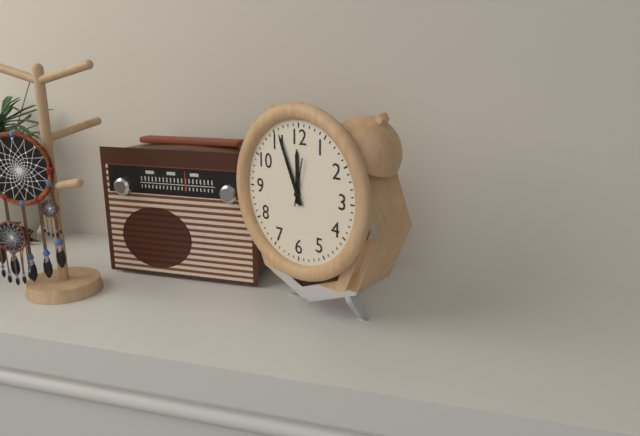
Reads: 11.56
